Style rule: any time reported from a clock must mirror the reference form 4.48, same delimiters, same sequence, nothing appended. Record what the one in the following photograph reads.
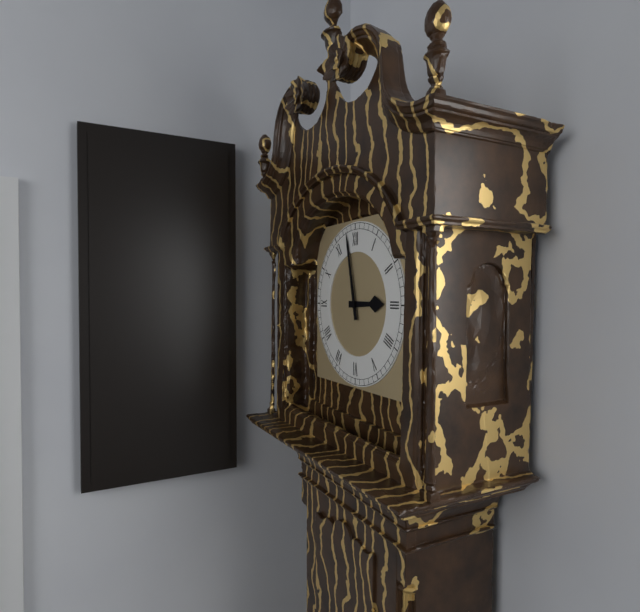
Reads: 2.58
